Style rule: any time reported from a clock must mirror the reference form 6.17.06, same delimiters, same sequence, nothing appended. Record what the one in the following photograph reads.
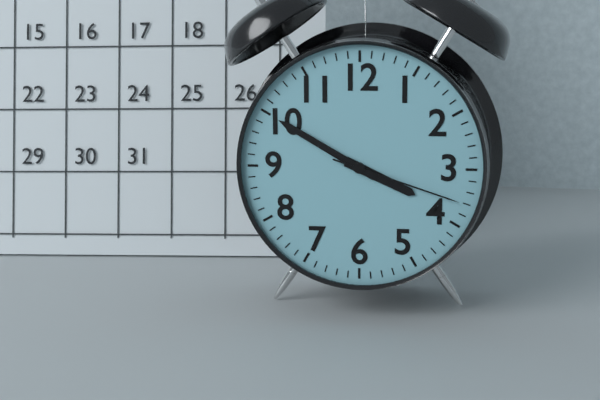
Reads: 3.50.18
